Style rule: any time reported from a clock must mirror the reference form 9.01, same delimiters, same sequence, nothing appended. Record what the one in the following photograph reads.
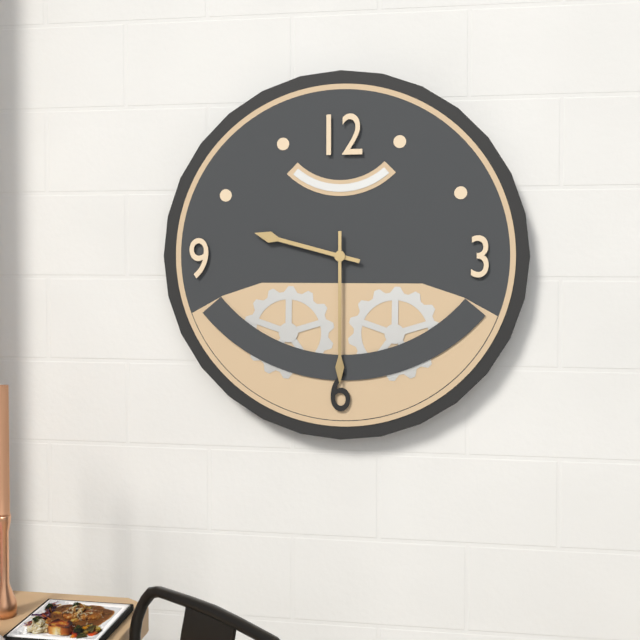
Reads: 9.30
